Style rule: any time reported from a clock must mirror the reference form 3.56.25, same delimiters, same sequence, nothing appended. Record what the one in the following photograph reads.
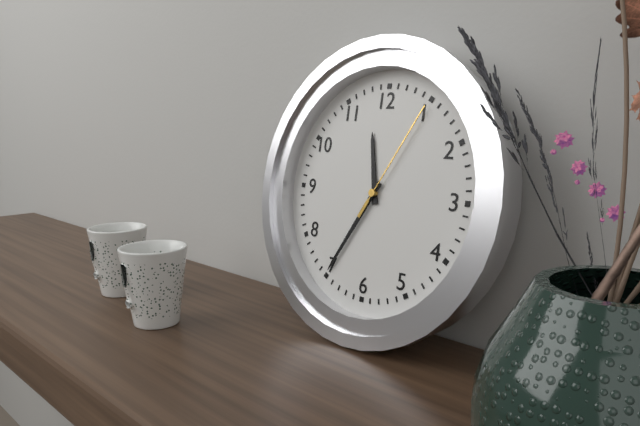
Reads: 11.35.05
